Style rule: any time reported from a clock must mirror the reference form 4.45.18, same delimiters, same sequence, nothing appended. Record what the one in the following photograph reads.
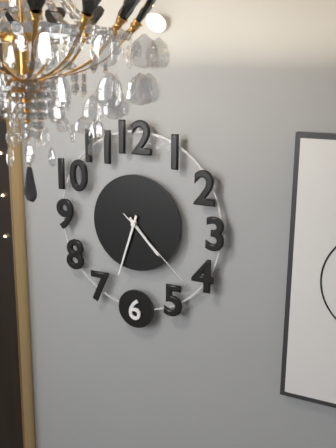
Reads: 4.33.22
